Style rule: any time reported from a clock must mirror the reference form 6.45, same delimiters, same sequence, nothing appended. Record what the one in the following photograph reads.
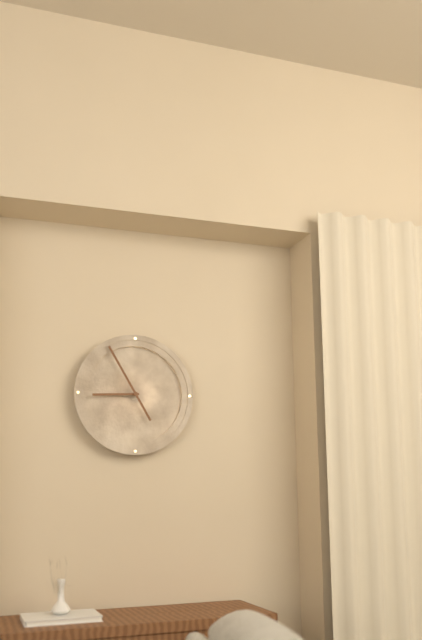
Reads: 8.55
